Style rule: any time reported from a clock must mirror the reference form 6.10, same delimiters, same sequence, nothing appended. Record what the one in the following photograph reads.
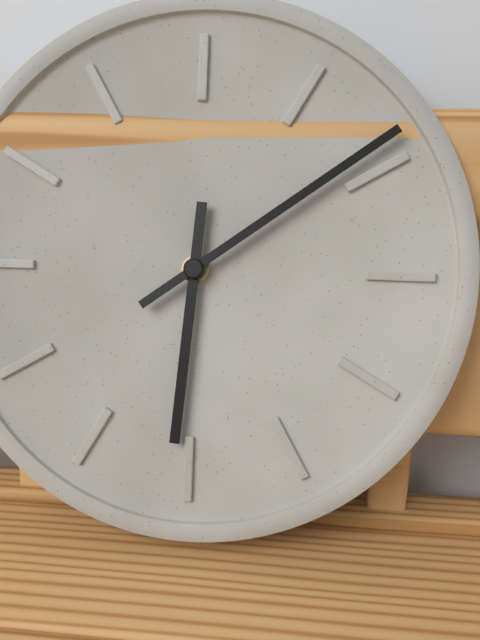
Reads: 6.09
